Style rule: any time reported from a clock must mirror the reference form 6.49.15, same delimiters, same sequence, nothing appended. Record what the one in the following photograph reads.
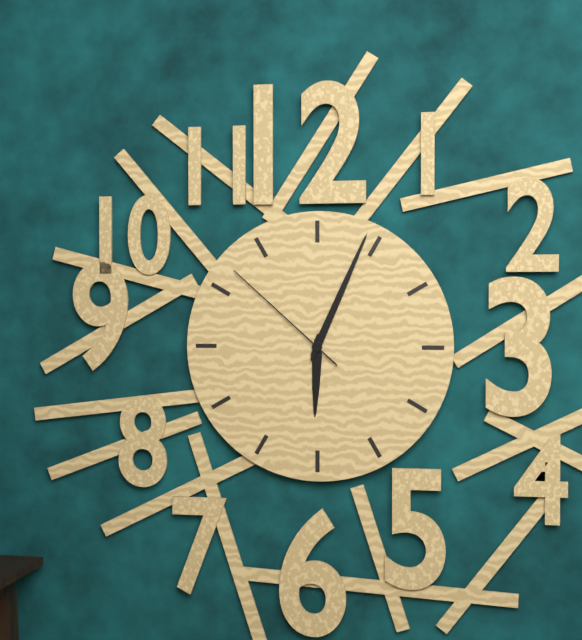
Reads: 6.04.52
